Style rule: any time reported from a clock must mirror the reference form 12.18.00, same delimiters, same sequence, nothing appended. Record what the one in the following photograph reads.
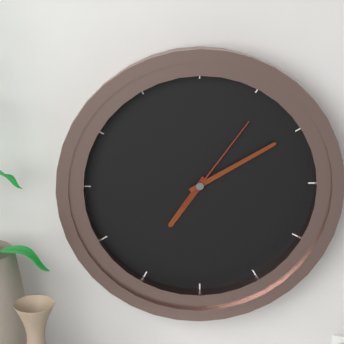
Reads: 7.10.06
